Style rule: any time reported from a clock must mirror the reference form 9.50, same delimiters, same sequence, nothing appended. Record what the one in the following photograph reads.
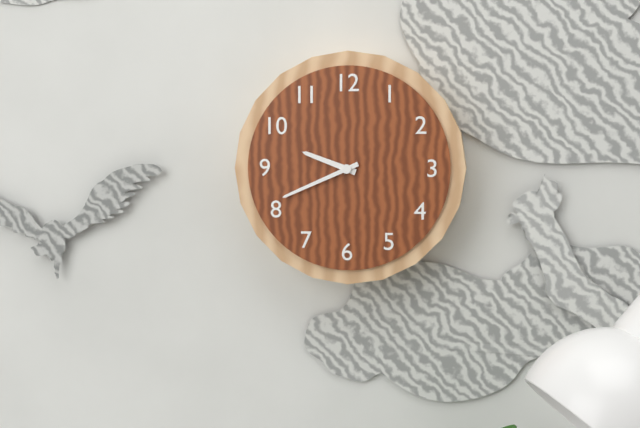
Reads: 9.41
